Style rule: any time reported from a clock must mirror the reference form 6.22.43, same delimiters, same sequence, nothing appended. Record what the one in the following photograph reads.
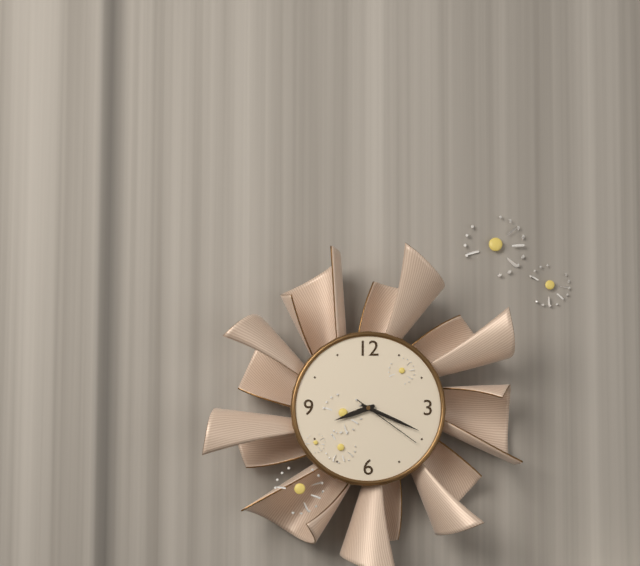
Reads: 8.19.21
